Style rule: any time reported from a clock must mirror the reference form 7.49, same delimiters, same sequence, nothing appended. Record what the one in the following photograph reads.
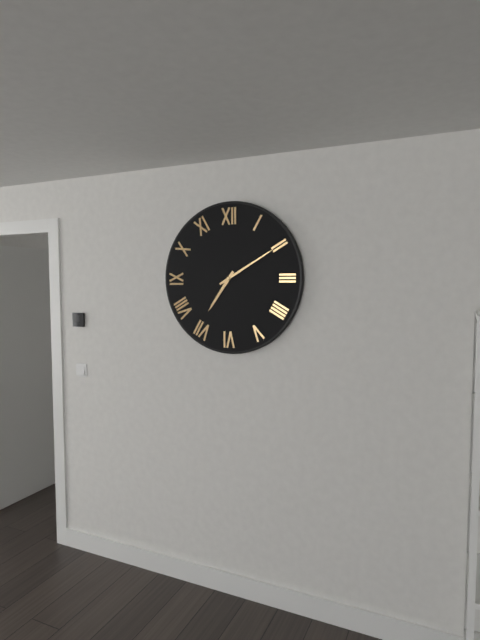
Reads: 7.10
